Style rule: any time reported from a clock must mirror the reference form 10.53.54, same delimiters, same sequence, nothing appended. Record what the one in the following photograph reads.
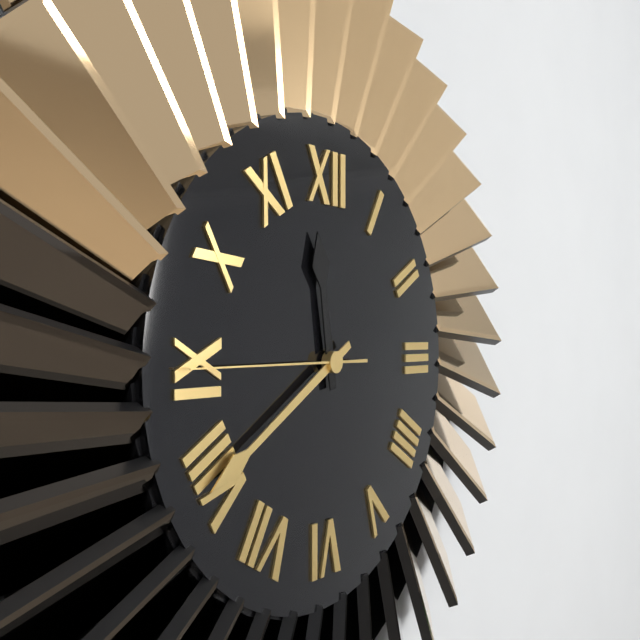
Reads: 11.40.45
